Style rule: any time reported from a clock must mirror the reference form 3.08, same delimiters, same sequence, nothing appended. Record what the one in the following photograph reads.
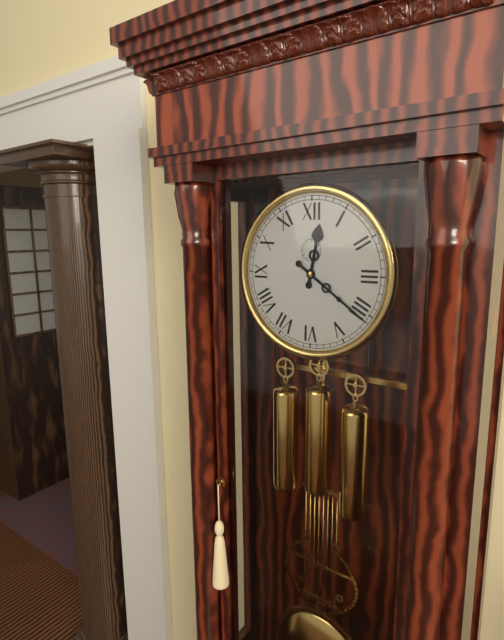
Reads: 12.21
